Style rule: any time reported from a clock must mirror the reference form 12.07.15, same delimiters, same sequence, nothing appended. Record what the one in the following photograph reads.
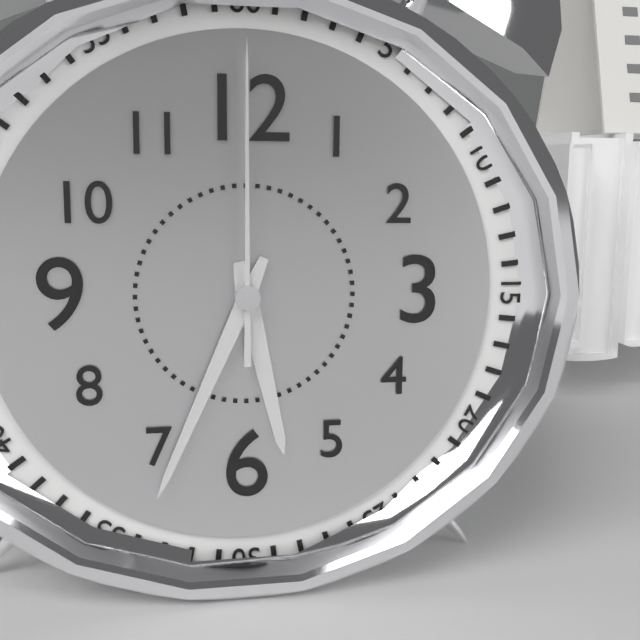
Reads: 5.34.00
